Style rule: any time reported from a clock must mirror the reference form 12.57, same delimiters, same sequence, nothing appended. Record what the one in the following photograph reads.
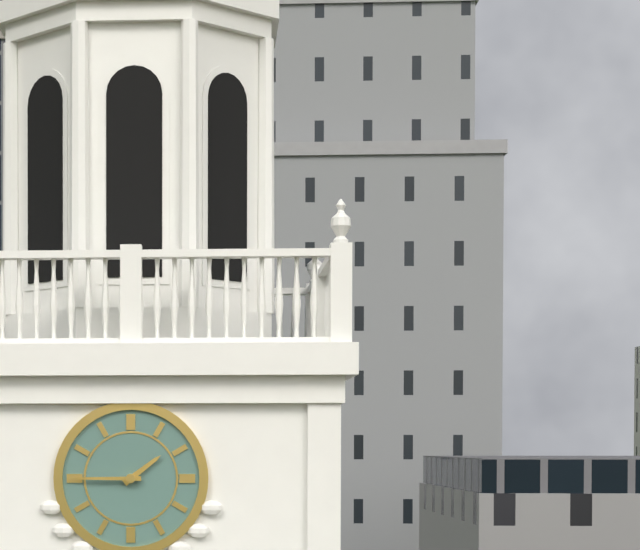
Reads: 1.45
